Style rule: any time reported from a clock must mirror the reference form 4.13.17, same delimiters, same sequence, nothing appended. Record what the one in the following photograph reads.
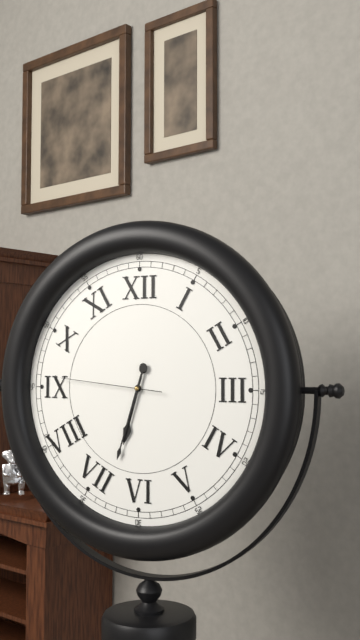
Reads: 6.33.46
